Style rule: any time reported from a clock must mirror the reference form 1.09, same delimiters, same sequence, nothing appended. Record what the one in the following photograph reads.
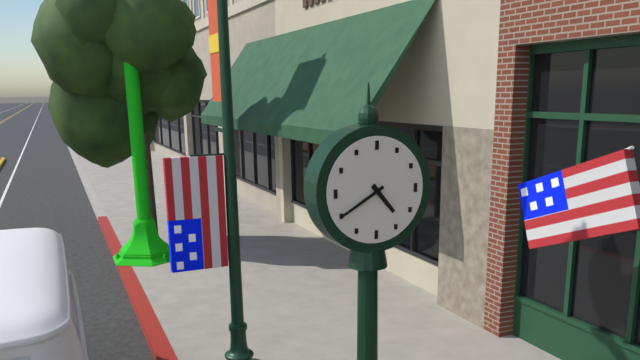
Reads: 4.40
